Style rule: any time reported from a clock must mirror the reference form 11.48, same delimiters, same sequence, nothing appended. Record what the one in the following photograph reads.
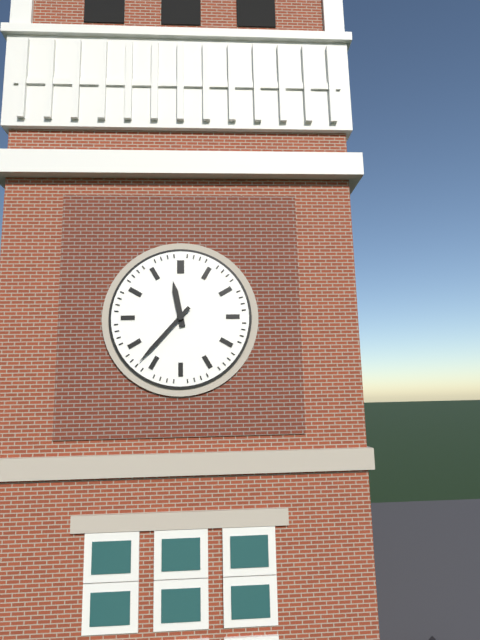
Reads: 11.37
